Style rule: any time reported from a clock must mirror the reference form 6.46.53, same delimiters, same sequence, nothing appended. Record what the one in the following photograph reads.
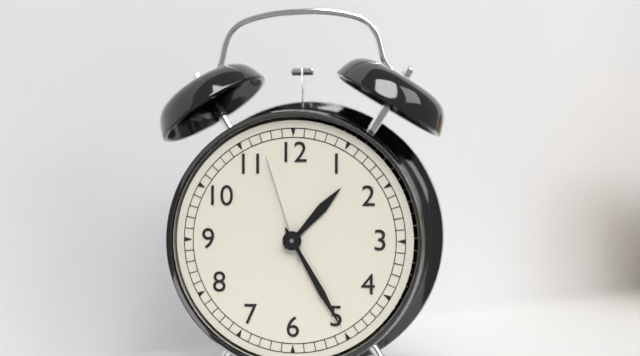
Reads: 1.25.57
